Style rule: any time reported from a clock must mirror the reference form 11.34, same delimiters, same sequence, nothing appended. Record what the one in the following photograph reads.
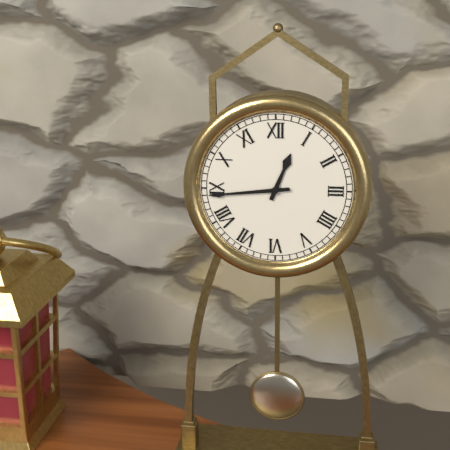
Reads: 12.44
